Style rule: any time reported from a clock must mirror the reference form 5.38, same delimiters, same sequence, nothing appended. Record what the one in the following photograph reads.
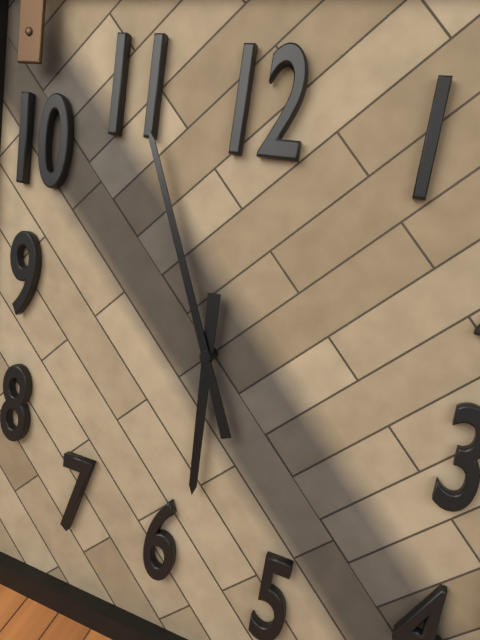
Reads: 5.56
